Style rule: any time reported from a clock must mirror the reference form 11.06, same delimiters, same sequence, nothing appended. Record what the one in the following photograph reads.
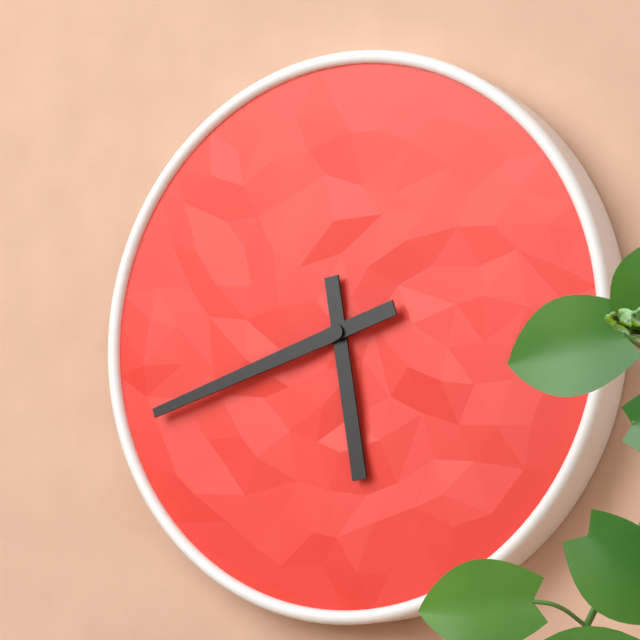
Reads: 5.42
